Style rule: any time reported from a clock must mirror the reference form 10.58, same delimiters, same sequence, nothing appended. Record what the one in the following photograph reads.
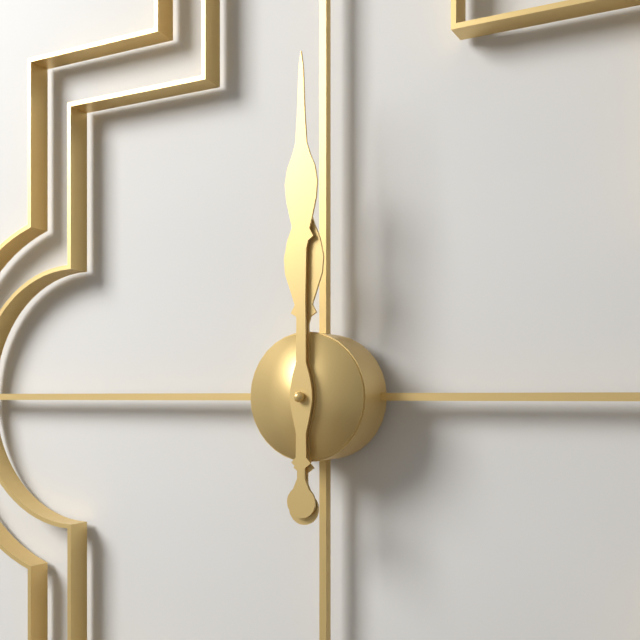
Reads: 12.00
